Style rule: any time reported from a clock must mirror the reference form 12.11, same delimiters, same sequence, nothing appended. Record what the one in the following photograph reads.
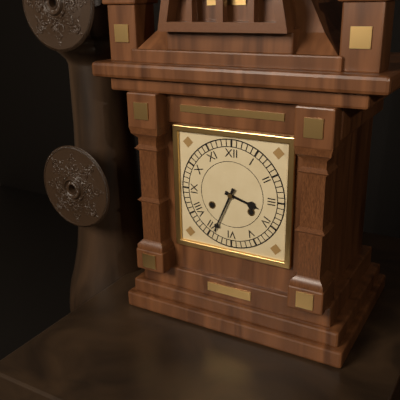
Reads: 3.34
